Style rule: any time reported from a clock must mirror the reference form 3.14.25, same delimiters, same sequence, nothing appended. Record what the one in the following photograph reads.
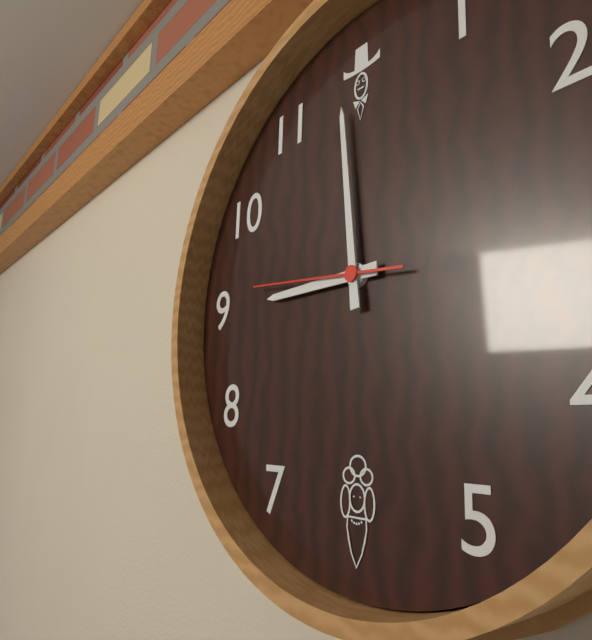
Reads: 8.59.46
